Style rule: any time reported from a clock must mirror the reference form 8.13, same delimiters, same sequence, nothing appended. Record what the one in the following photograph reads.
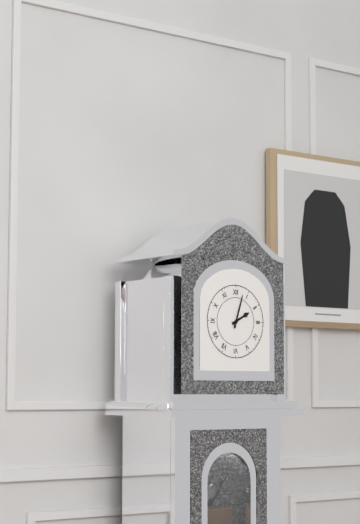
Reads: 2.03
